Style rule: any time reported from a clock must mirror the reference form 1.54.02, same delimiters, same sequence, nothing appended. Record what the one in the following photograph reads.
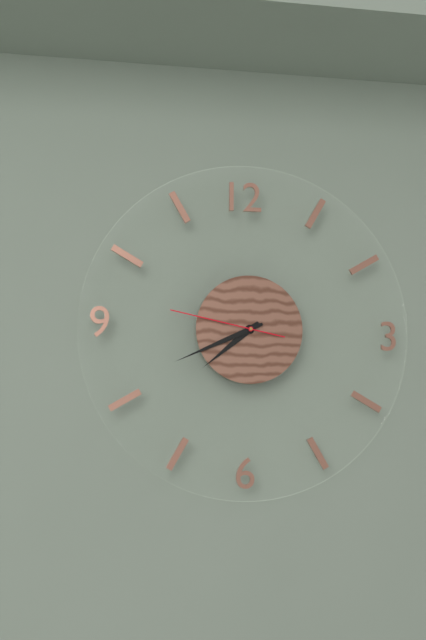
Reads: 7.41.47
